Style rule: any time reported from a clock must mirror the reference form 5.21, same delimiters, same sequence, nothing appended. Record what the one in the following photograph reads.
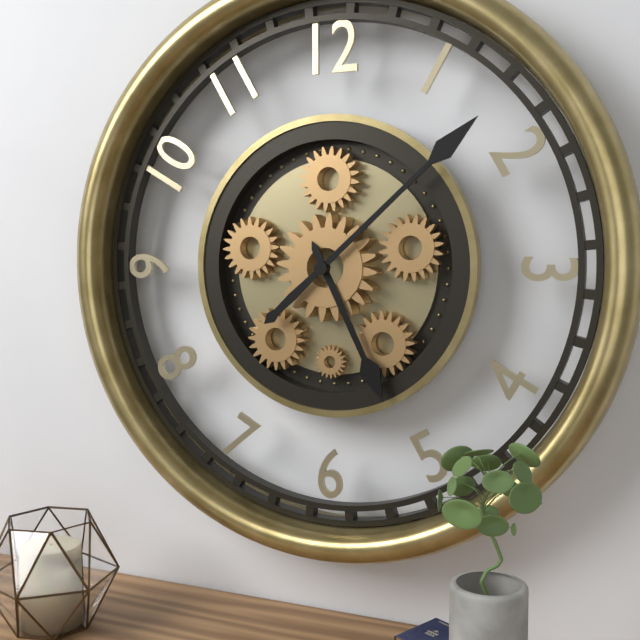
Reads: 5.08
